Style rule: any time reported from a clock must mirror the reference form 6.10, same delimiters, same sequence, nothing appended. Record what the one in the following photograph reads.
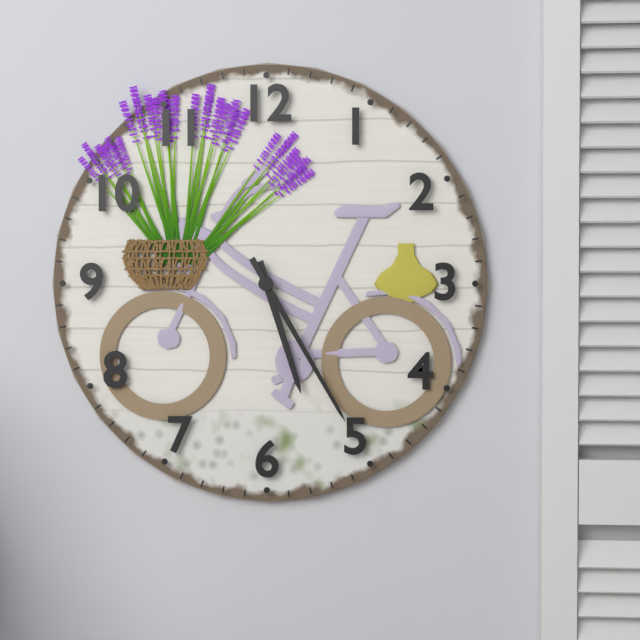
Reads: 5.25
